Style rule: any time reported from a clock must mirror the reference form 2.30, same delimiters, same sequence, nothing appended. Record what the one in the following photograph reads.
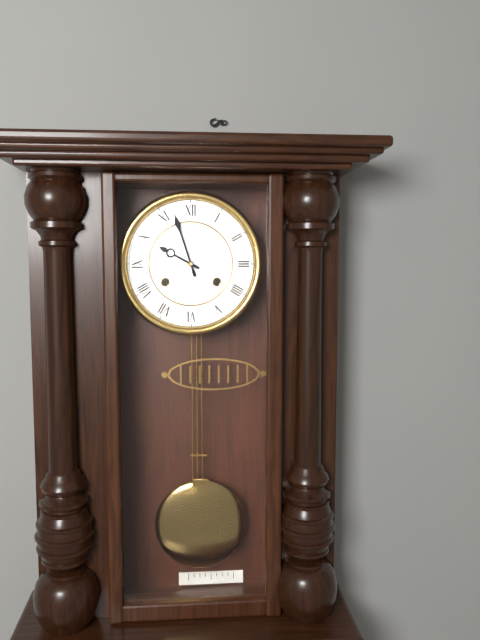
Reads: 9.57
